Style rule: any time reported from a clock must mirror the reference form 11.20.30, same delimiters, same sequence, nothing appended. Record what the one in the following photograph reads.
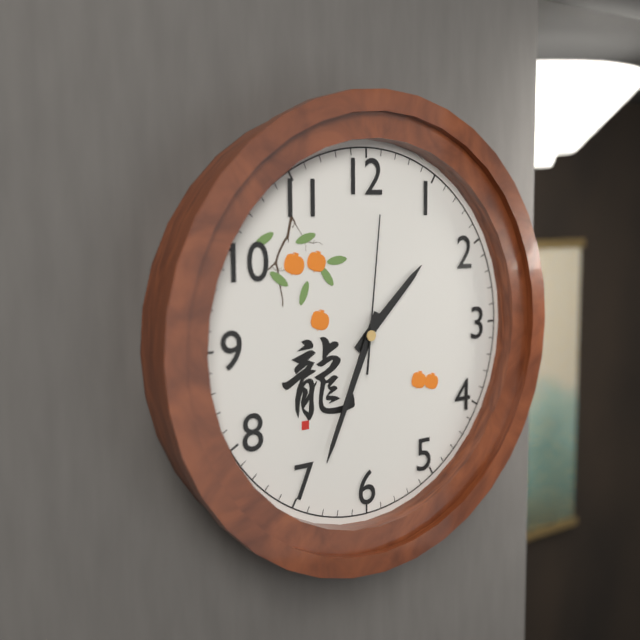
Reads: 1.34.01
